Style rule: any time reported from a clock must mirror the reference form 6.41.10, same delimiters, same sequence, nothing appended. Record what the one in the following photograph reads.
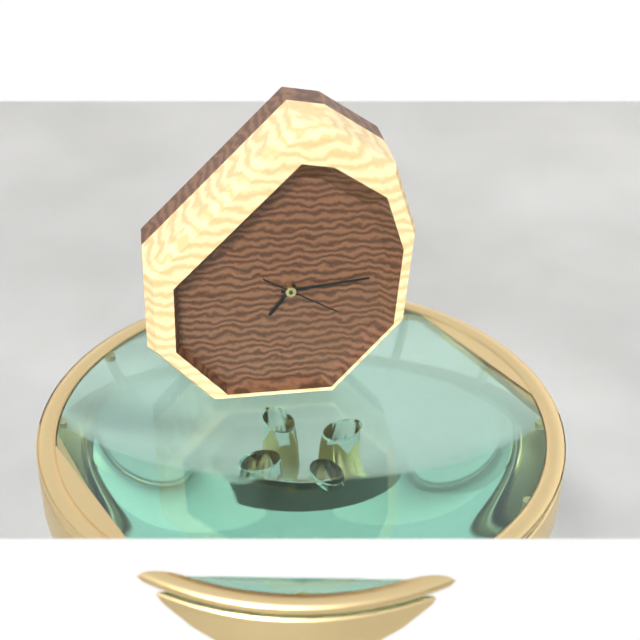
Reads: 7.14.20
